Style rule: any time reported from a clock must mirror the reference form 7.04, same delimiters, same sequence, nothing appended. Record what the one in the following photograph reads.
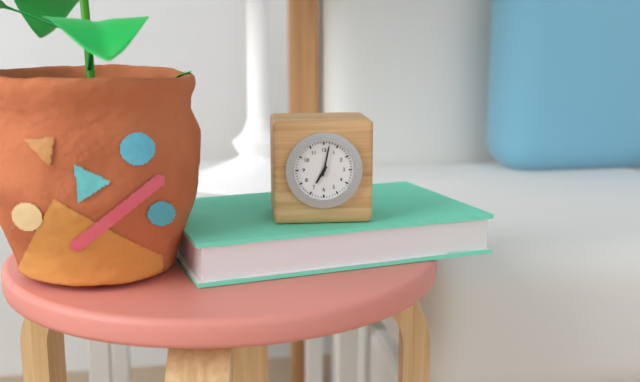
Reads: 7.02
